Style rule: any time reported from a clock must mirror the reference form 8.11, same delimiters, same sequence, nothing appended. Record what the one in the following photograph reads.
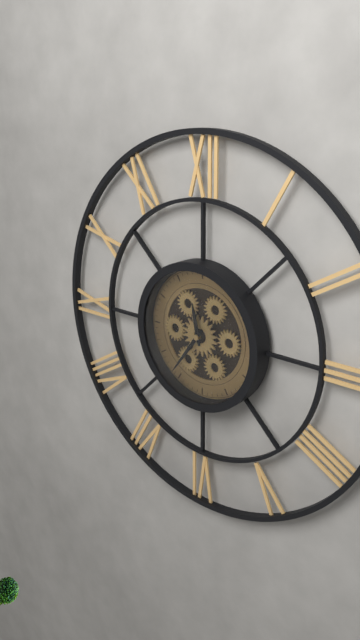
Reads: 11.36
